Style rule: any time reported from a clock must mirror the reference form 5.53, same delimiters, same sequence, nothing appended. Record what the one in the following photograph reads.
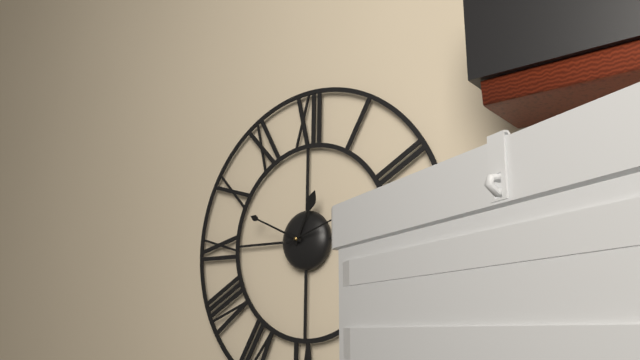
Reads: 12.49
